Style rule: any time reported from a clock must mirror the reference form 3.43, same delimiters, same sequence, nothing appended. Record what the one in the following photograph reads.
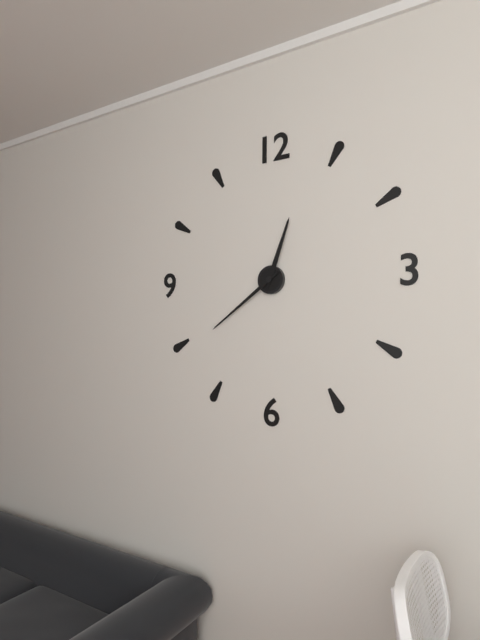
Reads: 12.39
